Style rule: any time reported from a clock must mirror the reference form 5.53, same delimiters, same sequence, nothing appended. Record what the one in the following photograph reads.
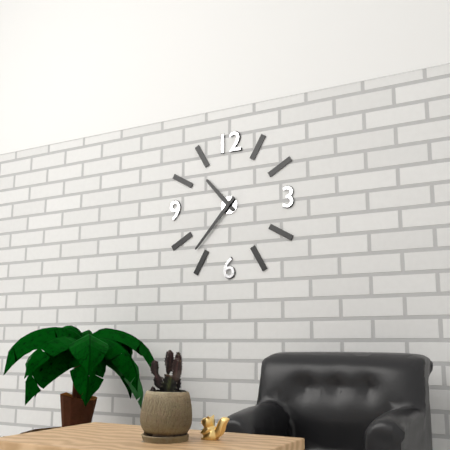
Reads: 10.37
